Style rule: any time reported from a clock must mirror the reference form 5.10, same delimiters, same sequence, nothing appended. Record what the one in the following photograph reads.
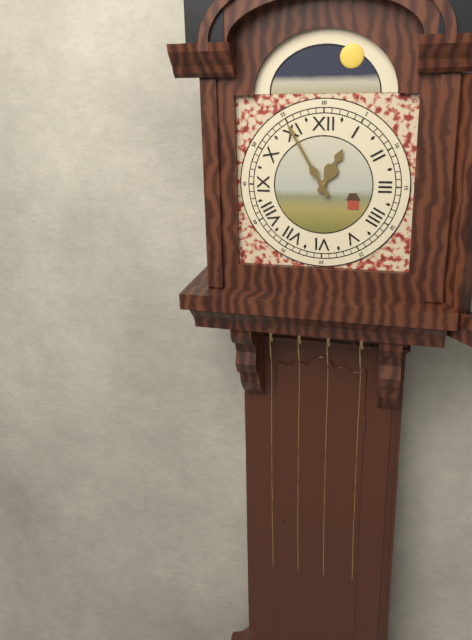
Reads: 12.55
